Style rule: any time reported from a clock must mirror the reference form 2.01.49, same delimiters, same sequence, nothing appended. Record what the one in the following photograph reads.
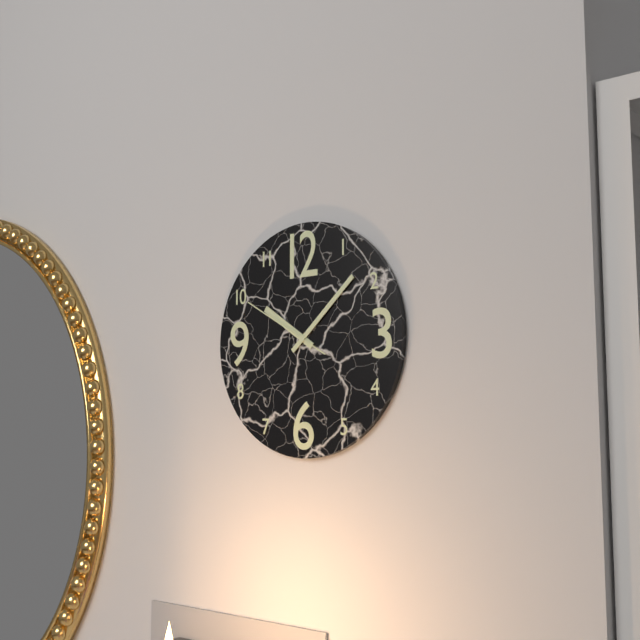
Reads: 10.08.50
